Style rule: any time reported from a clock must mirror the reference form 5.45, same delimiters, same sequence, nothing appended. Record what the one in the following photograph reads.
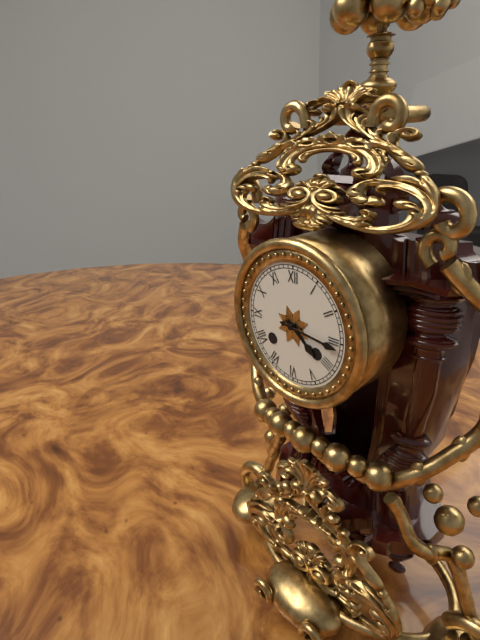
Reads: 4.16
